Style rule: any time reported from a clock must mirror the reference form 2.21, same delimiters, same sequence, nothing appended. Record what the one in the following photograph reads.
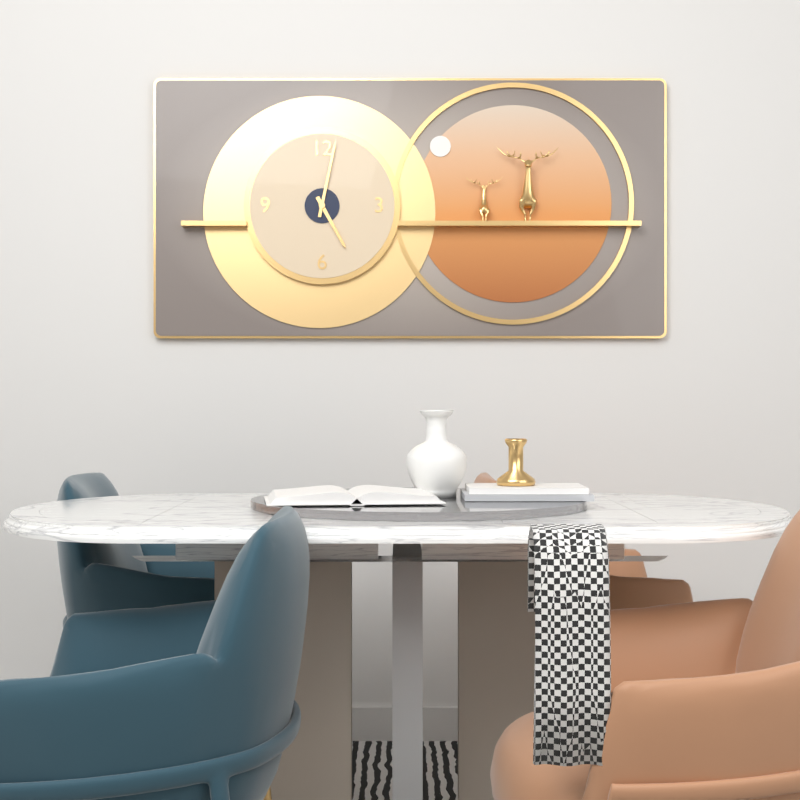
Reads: 5.02
